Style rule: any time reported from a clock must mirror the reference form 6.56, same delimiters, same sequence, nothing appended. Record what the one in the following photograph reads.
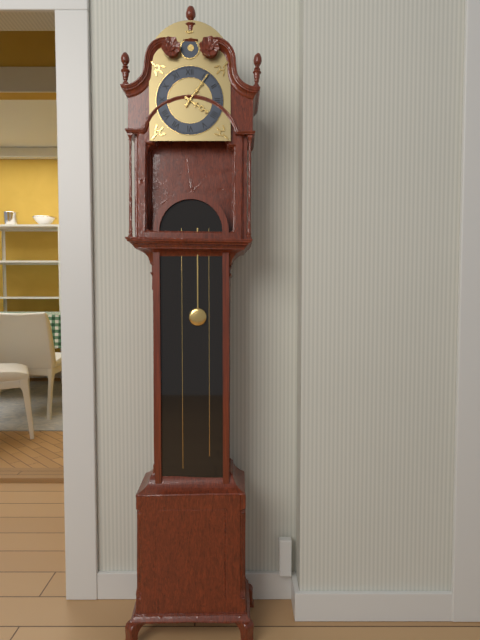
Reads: 4.06
